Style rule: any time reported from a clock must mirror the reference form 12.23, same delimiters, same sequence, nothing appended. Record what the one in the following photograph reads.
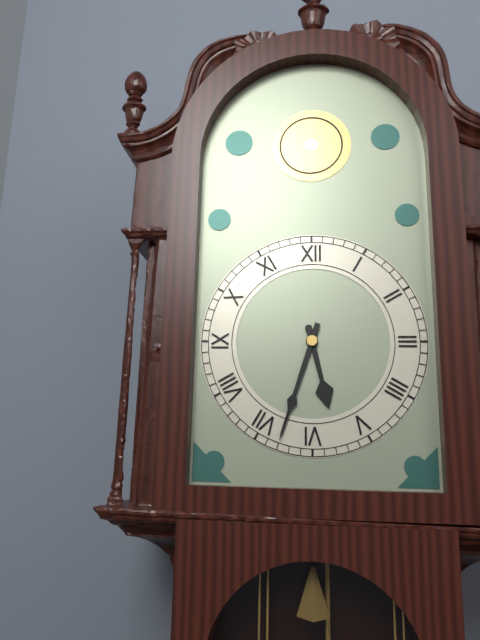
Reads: 5.33
